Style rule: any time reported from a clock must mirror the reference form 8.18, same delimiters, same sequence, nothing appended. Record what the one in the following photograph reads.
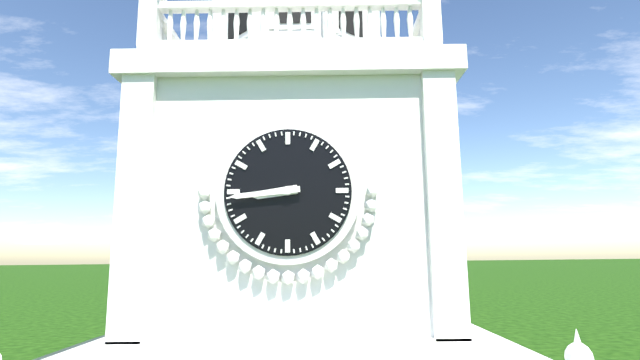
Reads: 8.44
